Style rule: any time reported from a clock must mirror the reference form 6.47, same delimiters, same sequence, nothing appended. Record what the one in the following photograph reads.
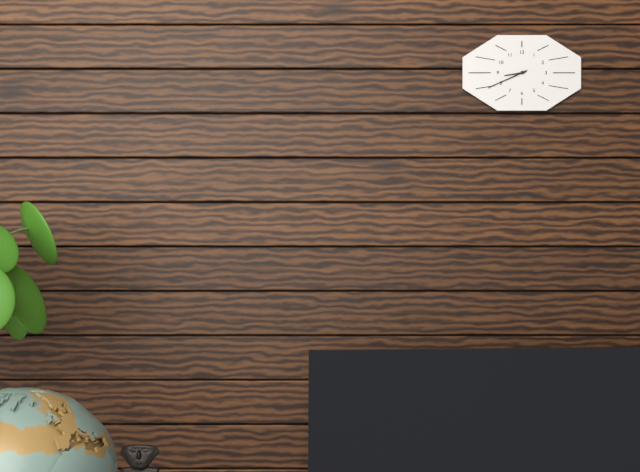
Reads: 8.41
